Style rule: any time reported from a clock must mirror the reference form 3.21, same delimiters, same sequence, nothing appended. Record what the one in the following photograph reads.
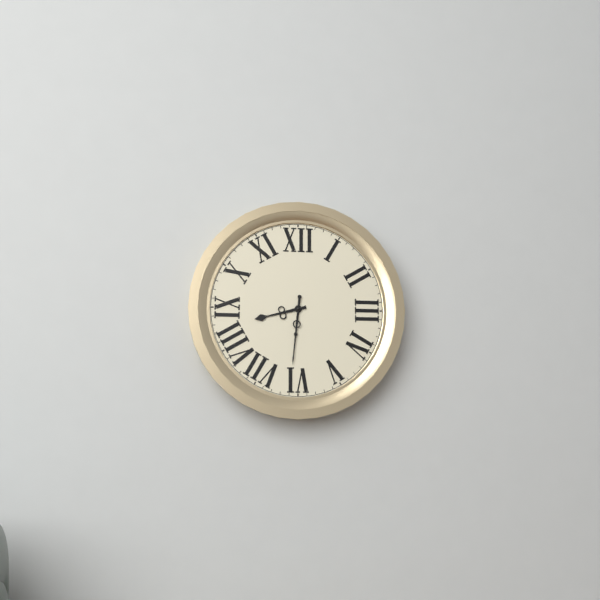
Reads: 8.31
